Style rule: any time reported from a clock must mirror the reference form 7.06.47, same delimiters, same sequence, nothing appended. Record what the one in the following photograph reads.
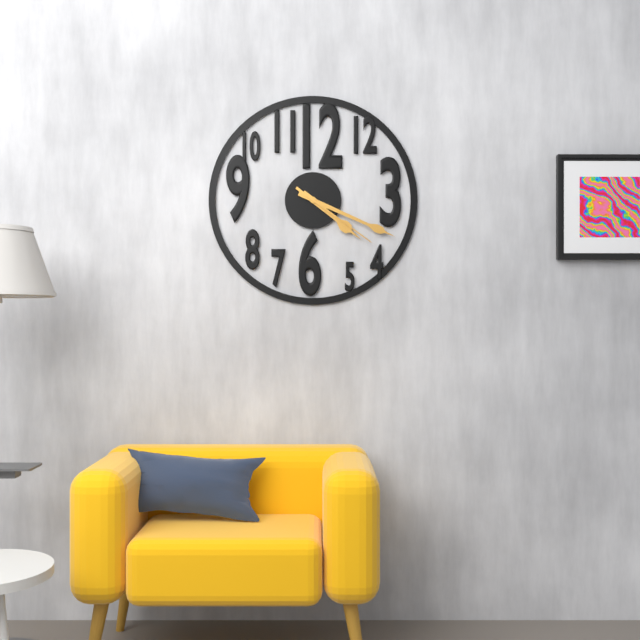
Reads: 4.19.21
